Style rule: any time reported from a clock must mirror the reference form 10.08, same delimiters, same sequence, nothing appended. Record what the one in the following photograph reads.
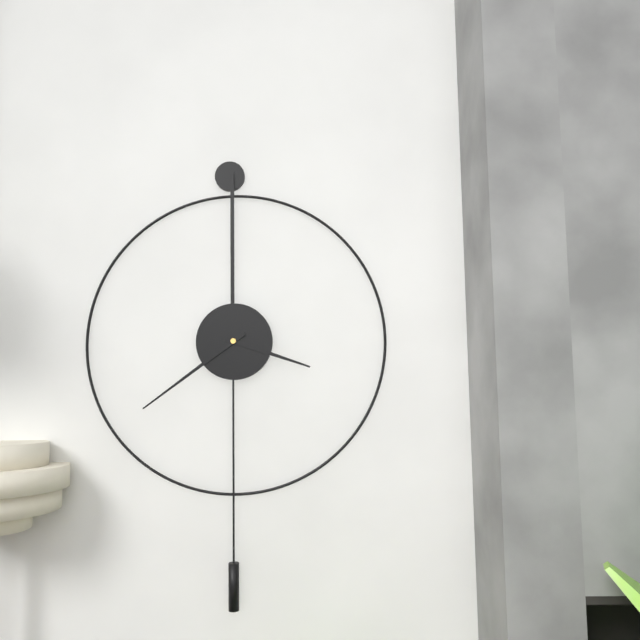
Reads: 3.39
